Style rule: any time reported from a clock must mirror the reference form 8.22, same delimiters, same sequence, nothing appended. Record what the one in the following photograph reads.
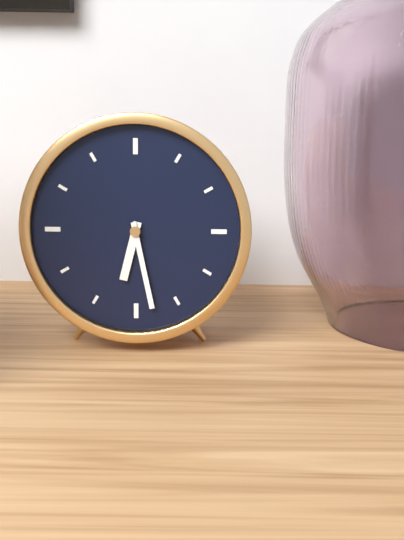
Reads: 6.28
